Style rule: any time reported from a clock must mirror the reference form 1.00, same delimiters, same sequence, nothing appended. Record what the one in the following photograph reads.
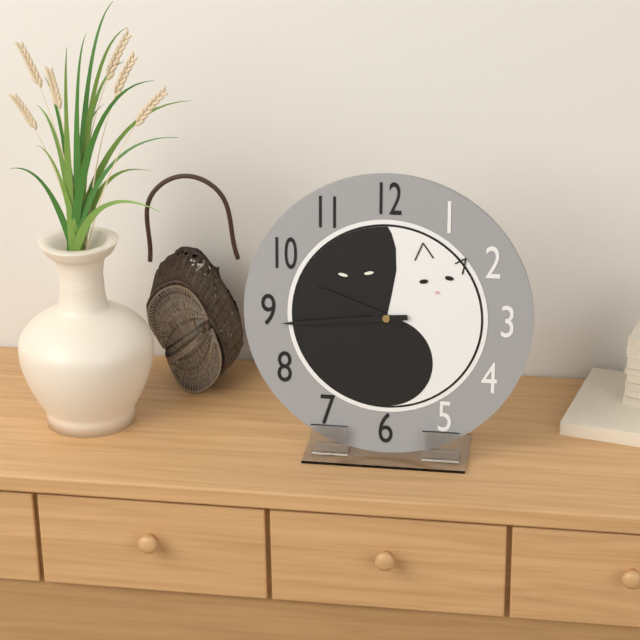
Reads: 9.44
